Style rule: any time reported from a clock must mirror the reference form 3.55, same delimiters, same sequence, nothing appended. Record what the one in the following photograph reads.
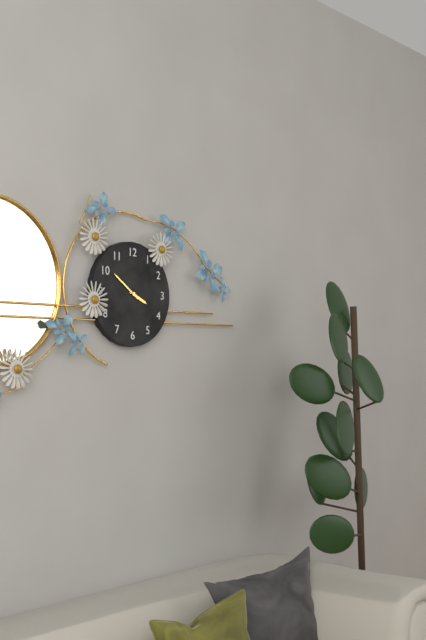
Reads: 3.51
